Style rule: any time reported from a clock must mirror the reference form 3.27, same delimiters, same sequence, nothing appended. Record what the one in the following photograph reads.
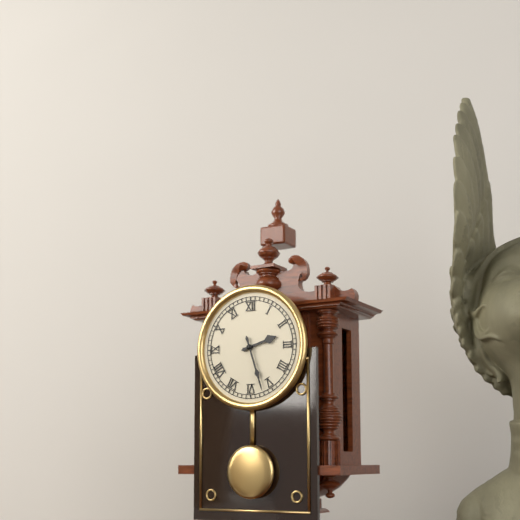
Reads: 2.27
